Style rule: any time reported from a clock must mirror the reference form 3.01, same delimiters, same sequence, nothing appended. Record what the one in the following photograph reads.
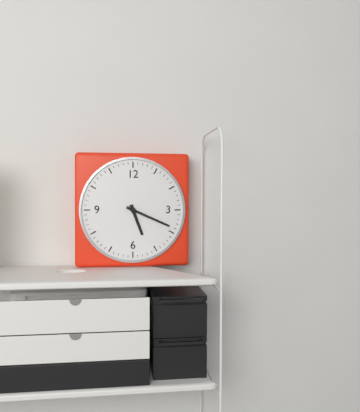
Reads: 5.19
